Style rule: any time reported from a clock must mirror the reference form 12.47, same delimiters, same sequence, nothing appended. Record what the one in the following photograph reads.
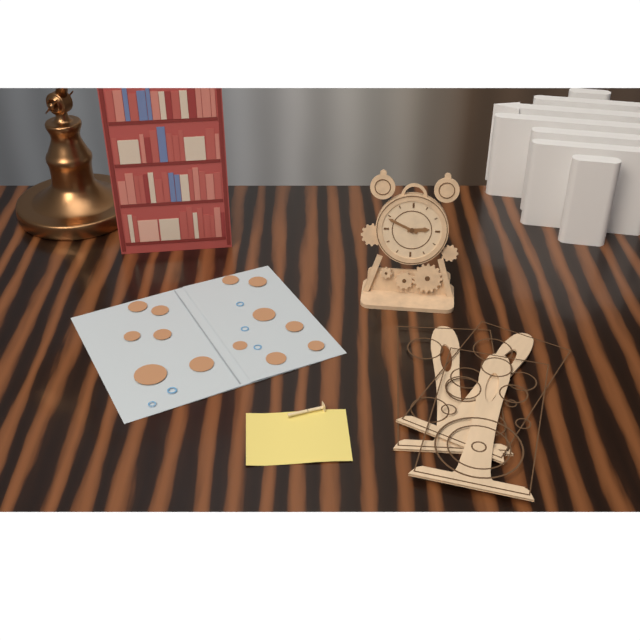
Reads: 2.49
